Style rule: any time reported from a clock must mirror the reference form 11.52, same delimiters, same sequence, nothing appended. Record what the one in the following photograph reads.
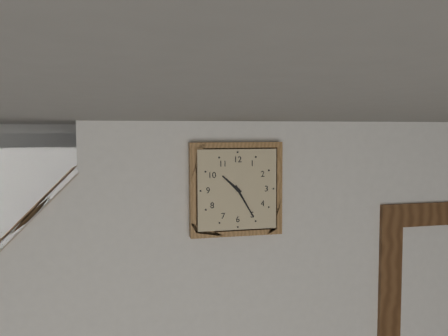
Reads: 10.25
